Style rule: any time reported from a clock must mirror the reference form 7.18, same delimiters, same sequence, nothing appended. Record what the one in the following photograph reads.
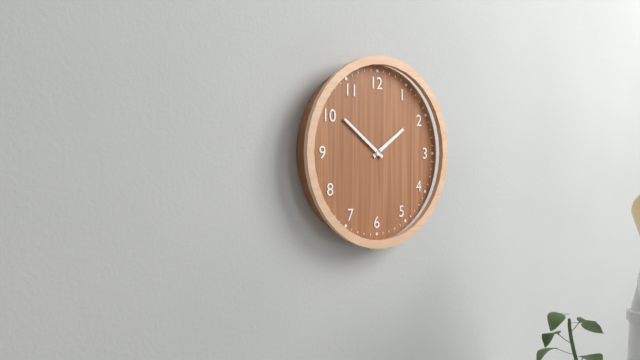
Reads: 1.51
